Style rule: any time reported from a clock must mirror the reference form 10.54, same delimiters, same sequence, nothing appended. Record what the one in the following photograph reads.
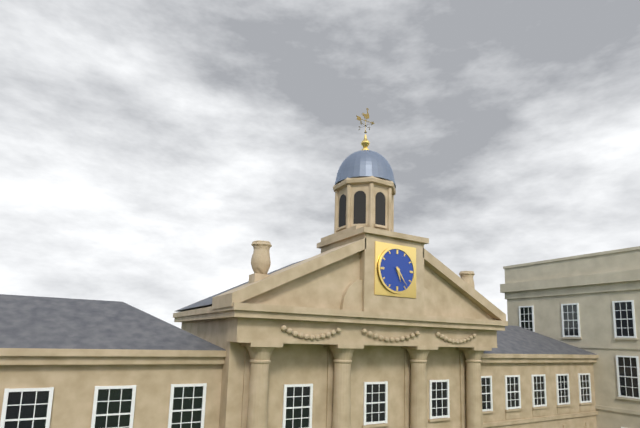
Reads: 5.24
